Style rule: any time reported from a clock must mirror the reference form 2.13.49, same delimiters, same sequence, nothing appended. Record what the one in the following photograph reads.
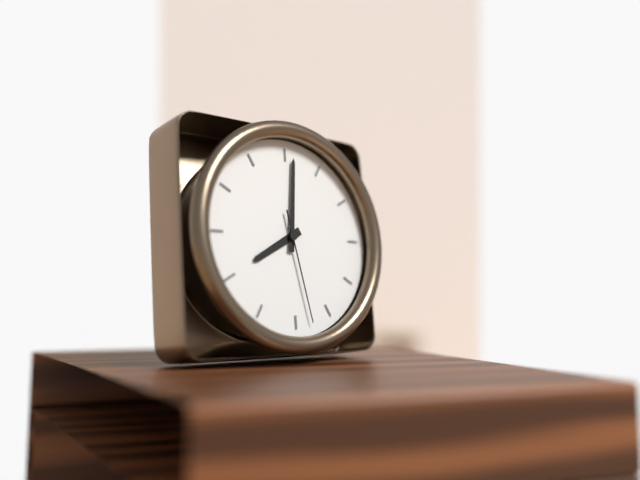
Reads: 8.01.28
